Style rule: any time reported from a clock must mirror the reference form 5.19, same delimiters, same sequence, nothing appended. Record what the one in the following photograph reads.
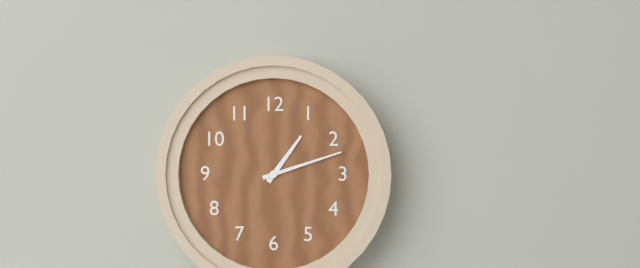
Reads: 1.12
